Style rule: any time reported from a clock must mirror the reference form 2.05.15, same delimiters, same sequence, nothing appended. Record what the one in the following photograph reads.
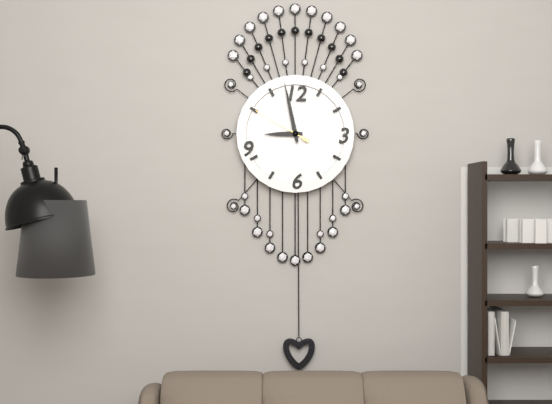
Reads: 8.58.50
